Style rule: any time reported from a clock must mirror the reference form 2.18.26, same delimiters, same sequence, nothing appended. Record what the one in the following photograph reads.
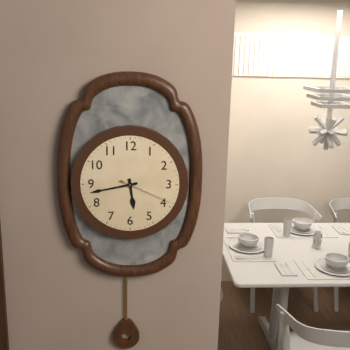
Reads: 5.43.19
